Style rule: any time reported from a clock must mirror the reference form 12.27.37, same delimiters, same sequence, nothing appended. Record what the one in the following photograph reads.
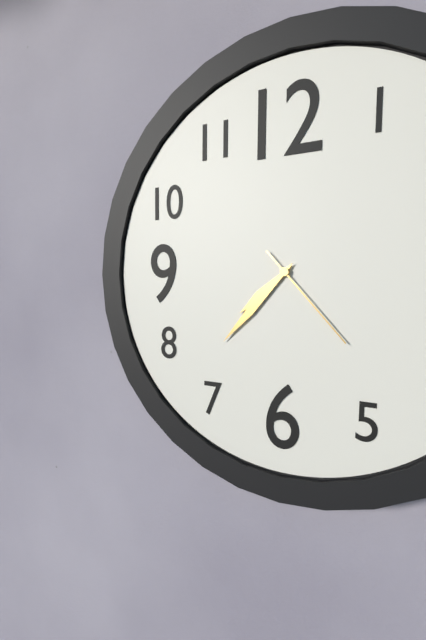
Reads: 7.37.23
